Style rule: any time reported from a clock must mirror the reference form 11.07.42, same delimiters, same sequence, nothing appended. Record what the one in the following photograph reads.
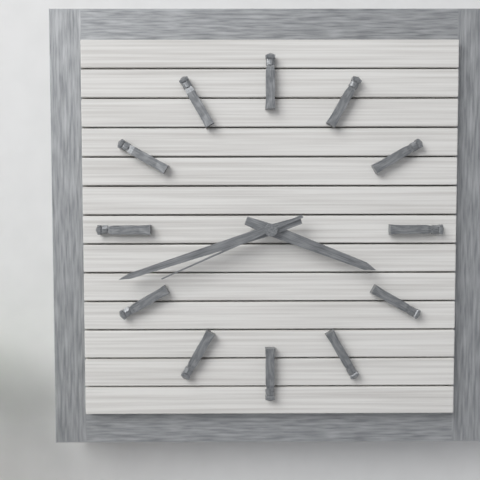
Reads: 3.42.41
